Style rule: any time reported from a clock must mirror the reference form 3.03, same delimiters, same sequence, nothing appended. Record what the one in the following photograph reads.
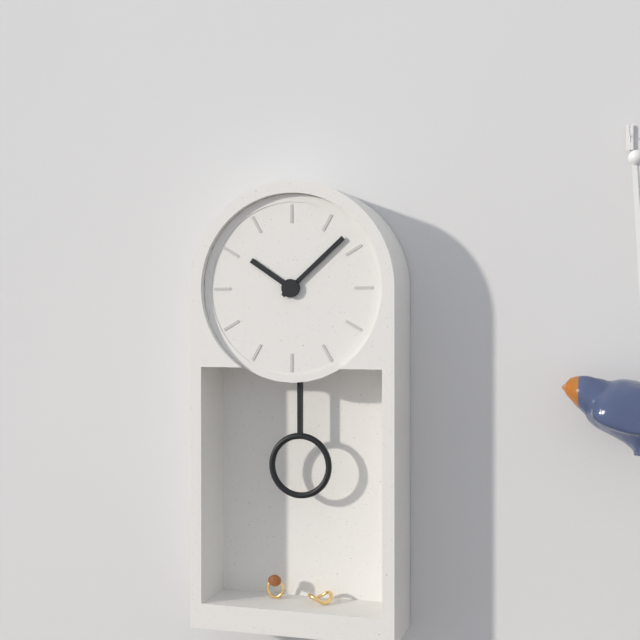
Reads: 10.08
